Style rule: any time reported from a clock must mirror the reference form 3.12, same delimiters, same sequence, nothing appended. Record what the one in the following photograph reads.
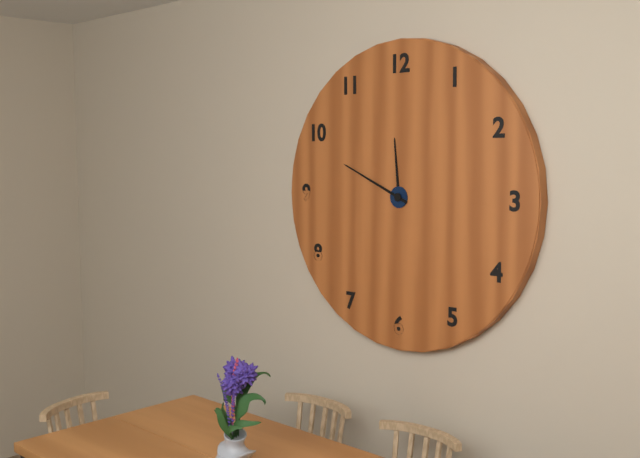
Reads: 11.49
